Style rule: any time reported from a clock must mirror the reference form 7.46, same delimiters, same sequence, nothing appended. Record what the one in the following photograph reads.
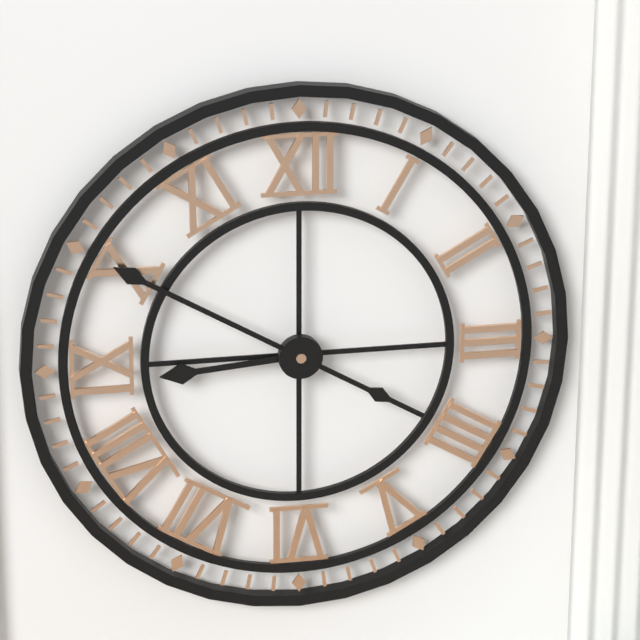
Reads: 8.50
